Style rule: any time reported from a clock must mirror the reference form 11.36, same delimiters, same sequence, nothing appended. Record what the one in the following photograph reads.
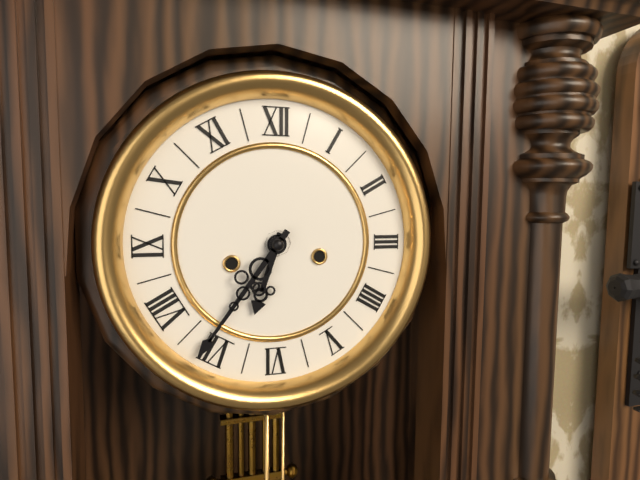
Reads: 6.36
